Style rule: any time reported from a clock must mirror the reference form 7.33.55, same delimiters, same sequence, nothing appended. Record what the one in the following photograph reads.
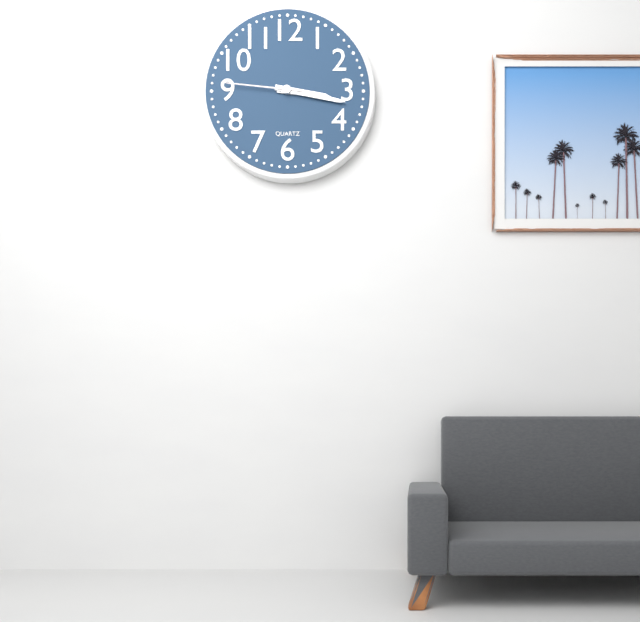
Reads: 3.17.46
